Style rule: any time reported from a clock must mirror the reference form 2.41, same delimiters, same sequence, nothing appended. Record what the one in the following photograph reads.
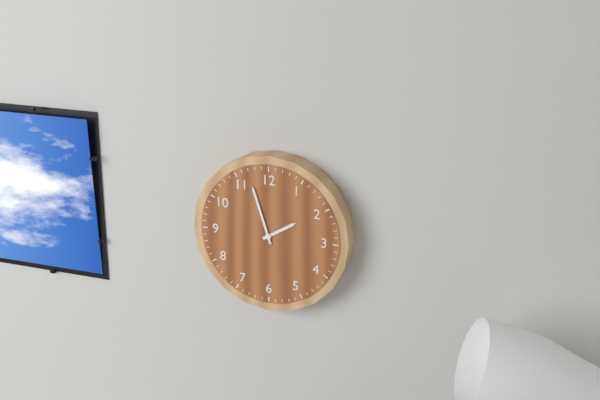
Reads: 1.57
